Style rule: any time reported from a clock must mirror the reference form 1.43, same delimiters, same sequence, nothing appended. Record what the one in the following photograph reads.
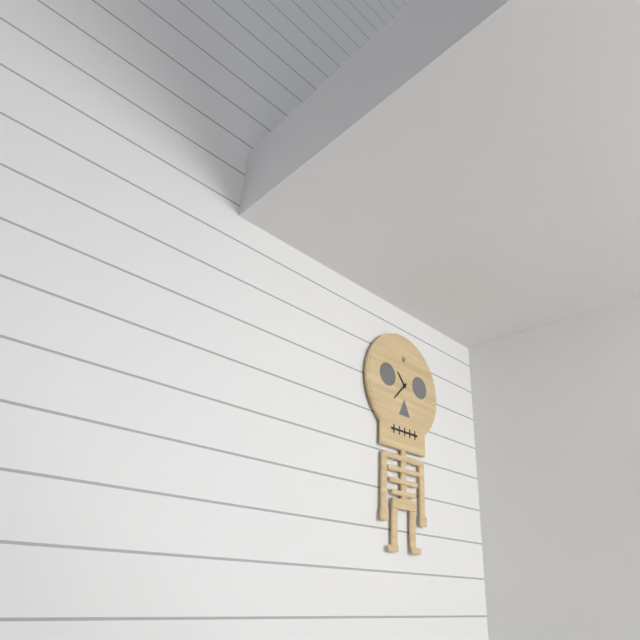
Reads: 10.37
